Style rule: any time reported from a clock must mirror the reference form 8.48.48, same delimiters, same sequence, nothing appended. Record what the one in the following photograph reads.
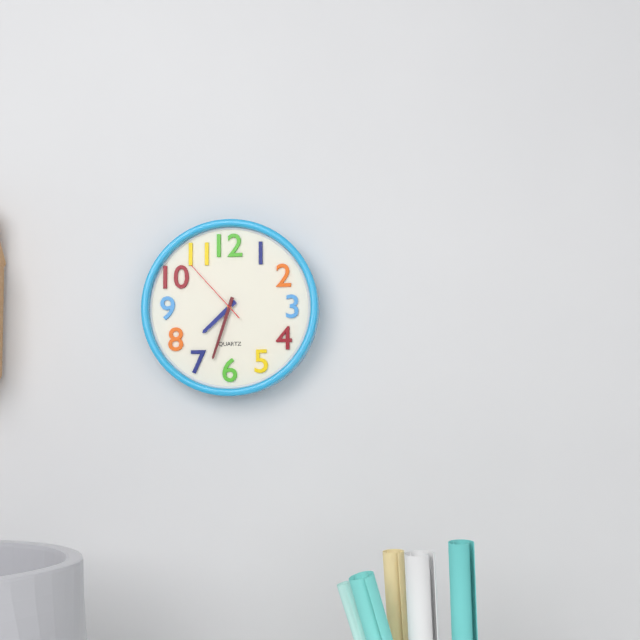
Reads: 7.33.53
